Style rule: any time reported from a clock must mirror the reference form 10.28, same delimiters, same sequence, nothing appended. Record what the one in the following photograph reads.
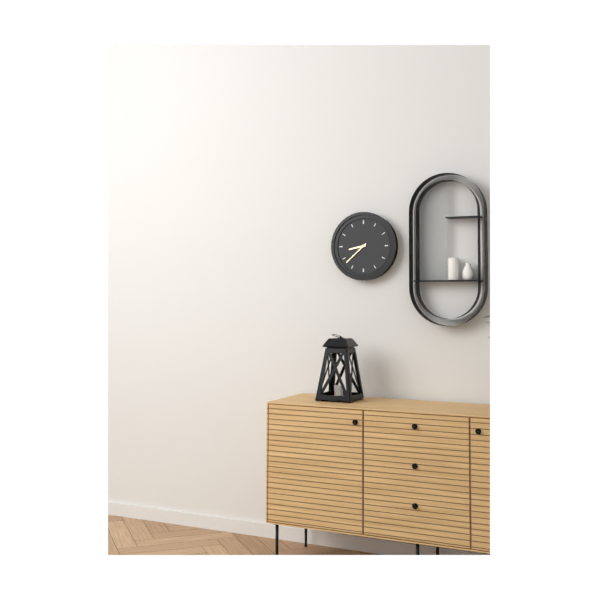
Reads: 8.38
